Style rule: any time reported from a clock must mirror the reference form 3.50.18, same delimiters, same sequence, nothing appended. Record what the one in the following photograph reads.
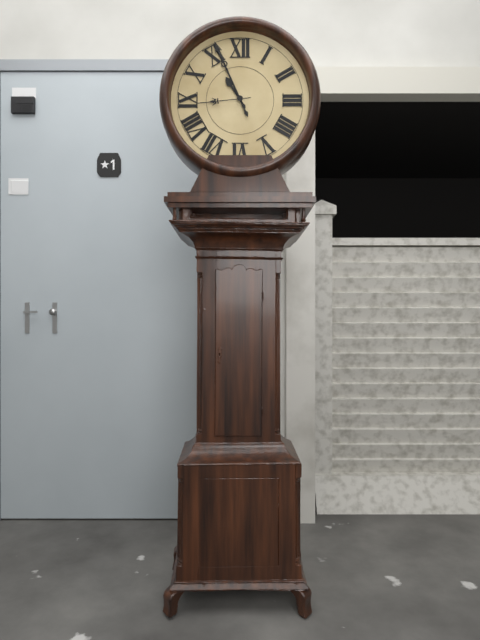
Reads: 10.56.44
